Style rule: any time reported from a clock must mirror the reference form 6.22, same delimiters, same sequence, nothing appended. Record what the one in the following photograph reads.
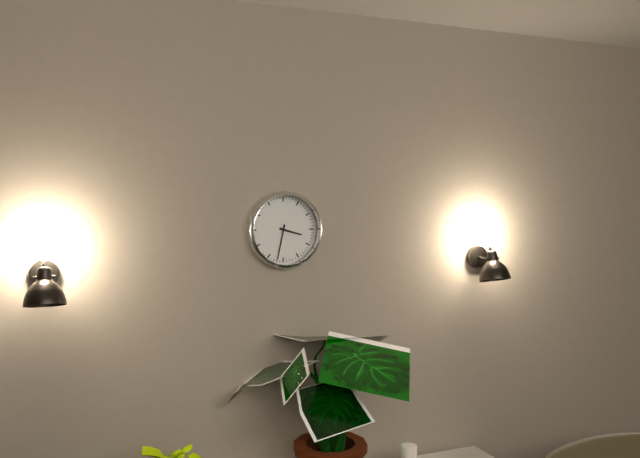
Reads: 3.32
